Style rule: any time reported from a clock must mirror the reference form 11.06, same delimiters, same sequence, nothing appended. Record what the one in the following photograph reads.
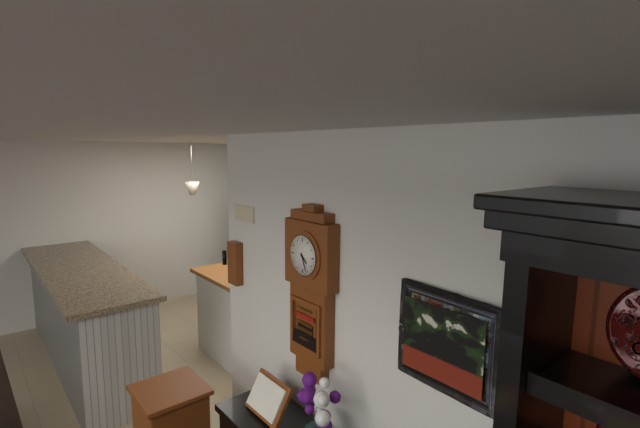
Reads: 4.26
